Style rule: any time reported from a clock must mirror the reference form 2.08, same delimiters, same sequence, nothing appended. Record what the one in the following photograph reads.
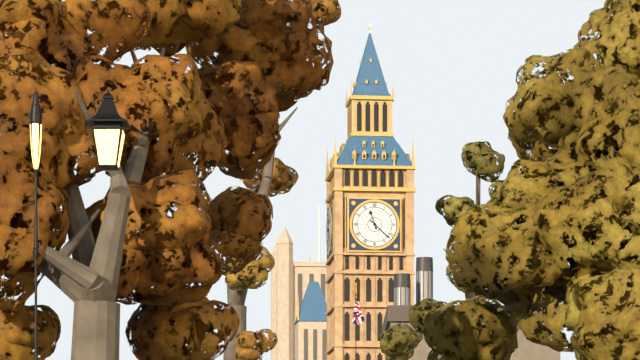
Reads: 11.22
